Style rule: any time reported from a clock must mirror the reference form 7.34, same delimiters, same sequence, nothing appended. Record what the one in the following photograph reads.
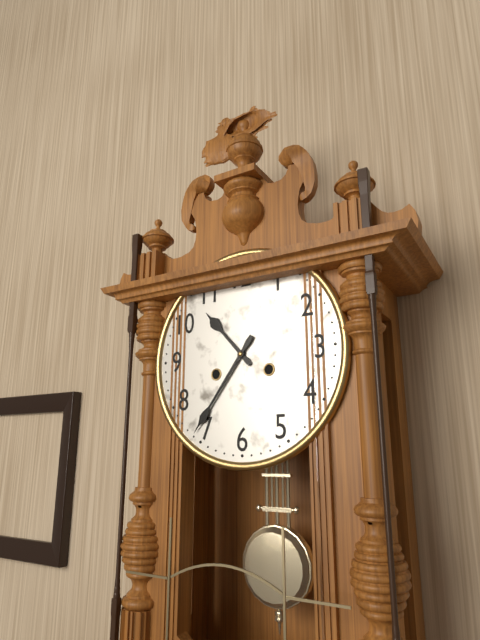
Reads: 10.36
